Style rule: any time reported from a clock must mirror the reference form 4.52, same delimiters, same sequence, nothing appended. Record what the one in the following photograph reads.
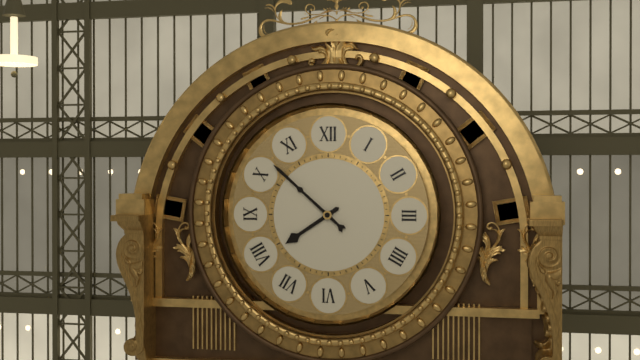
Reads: 7.52
